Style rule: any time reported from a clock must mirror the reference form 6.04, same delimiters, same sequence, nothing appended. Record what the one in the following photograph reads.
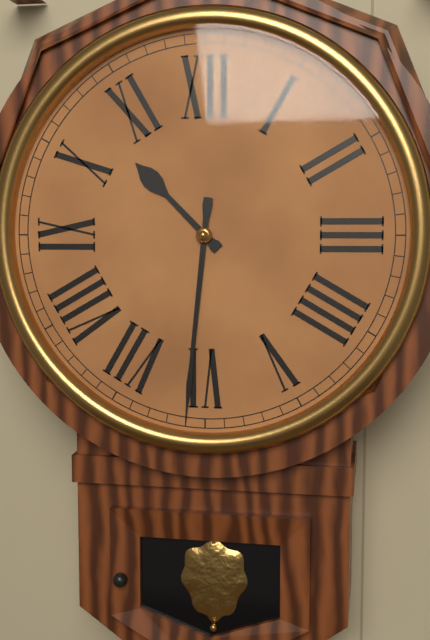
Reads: 10.31
